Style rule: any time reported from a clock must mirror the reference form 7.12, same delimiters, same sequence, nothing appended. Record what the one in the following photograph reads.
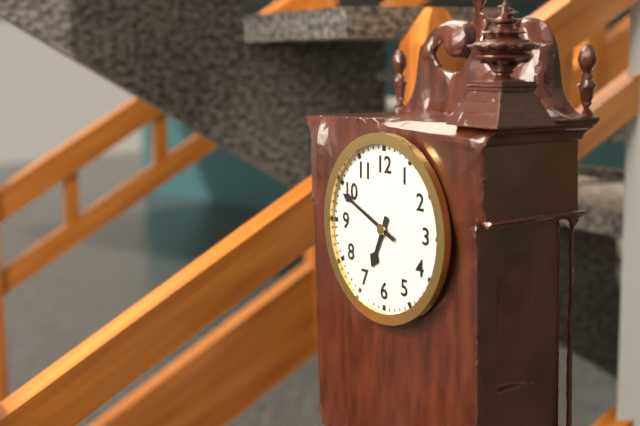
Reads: 6.49
